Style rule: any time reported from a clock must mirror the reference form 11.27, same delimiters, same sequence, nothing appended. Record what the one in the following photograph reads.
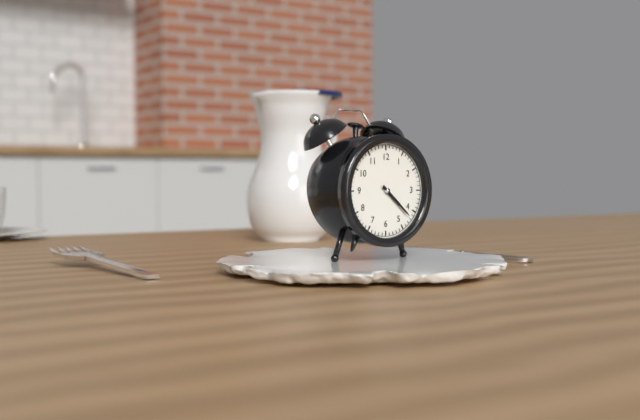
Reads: 4.22
